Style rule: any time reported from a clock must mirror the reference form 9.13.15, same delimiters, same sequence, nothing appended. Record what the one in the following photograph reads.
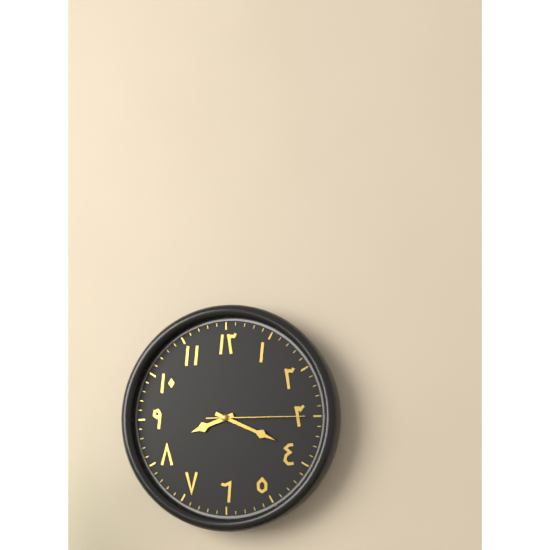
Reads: 8.19.15
